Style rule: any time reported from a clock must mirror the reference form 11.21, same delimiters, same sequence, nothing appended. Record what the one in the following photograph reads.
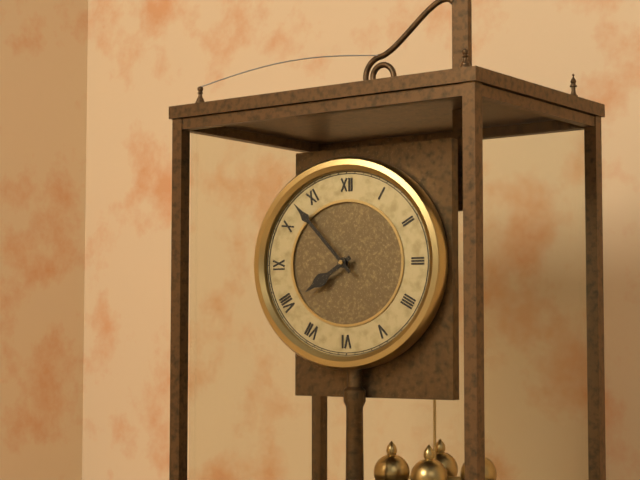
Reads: 7.53
